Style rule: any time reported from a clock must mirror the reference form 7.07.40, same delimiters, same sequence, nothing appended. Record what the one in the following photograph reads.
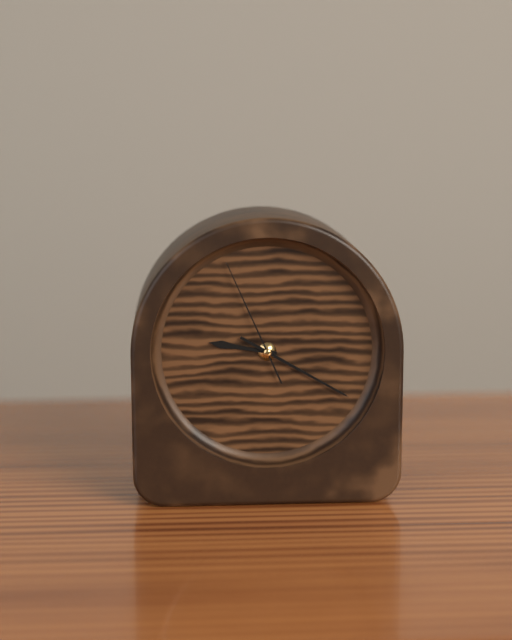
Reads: 9.20.56
